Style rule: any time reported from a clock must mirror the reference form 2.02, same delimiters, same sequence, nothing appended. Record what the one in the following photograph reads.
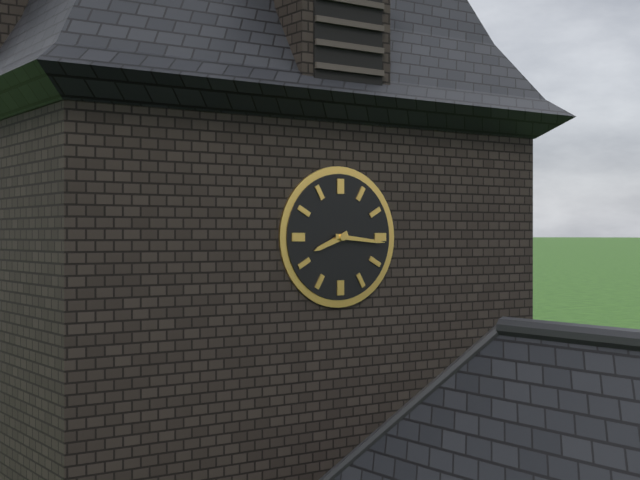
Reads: 8.16
